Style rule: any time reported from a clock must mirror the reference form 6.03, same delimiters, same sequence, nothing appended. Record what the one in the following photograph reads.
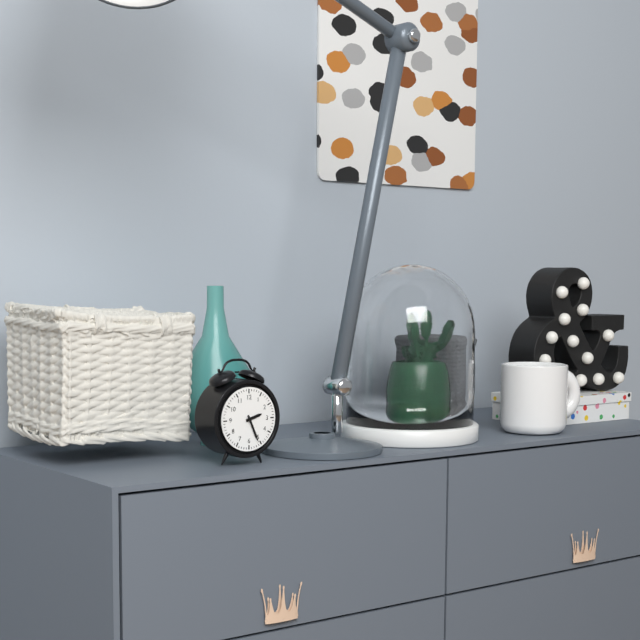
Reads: 2.26
